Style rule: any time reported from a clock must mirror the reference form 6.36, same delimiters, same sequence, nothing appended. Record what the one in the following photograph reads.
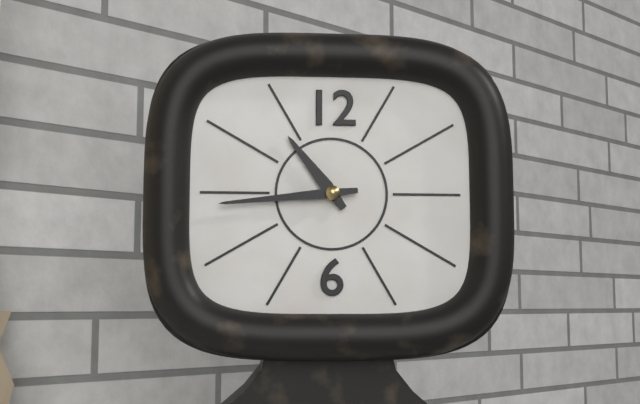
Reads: 10.44
